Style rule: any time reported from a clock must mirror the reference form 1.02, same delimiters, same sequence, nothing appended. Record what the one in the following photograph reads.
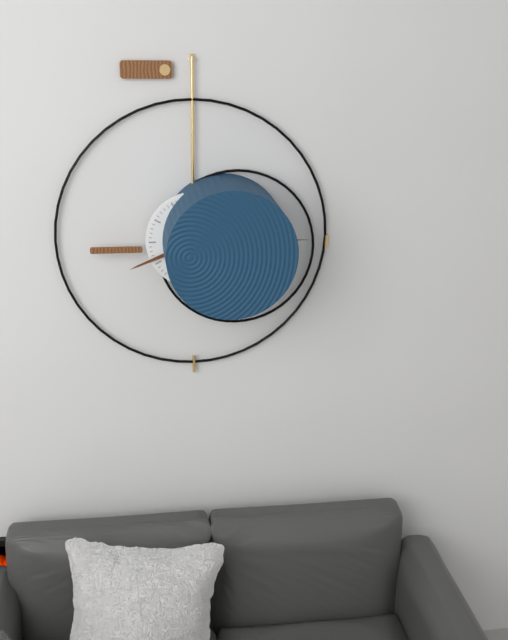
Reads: 8.15
